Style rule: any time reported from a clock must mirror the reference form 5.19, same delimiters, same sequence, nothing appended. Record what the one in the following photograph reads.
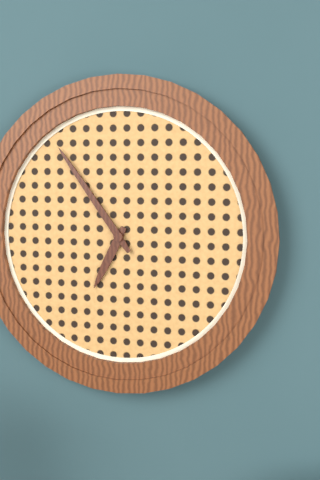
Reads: 6.54
